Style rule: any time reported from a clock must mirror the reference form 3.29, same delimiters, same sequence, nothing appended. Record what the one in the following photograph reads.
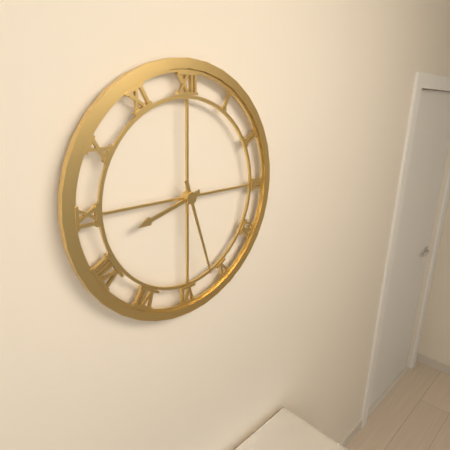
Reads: 8.27
